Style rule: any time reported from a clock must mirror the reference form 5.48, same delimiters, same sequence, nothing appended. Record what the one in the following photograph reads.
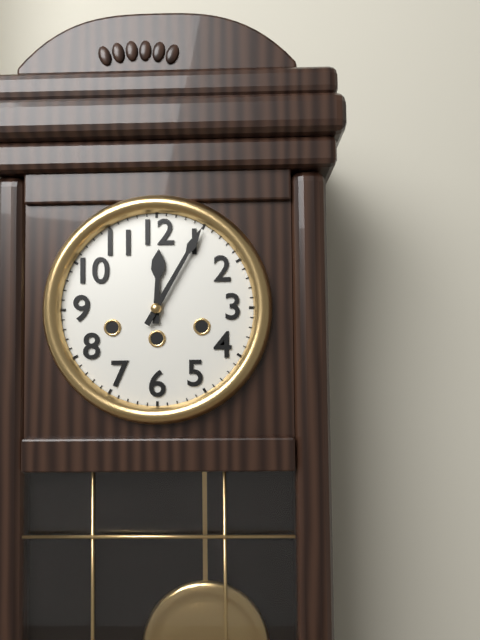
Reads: 12.05
